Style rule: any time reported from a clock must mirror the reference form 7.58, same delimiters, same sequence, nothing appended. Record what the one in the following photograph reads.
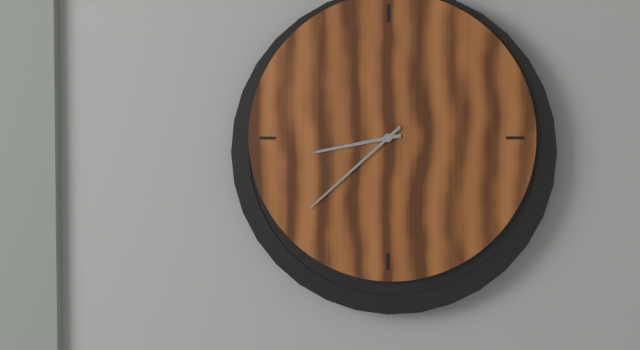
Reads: 8.38
